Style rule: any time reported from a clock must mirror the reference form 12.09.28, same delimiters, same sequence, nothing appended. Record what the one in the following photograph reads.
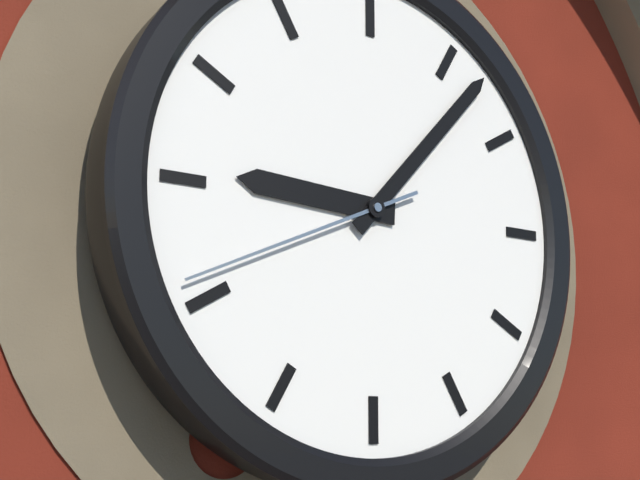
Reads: 9.07.41
